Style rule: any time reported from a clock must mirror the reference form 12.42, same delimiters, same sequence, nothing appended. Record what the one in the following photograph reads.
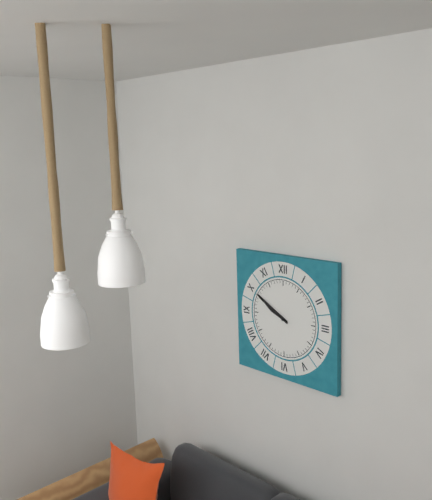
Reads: 9.50
